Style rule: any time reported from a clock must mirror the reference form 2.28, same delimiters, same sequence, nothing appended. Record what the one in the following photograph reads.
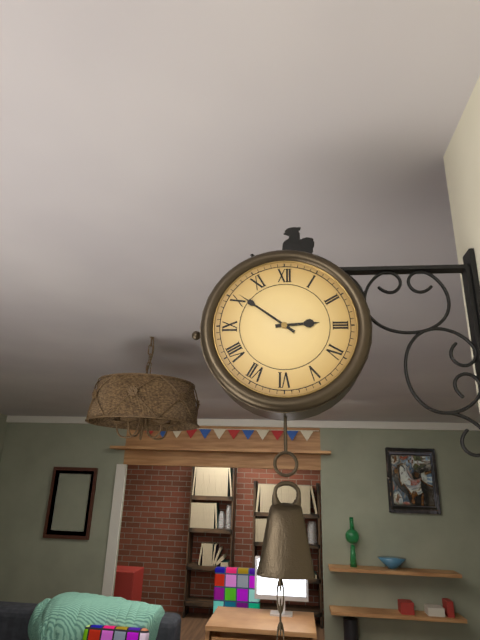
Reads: 2.51
